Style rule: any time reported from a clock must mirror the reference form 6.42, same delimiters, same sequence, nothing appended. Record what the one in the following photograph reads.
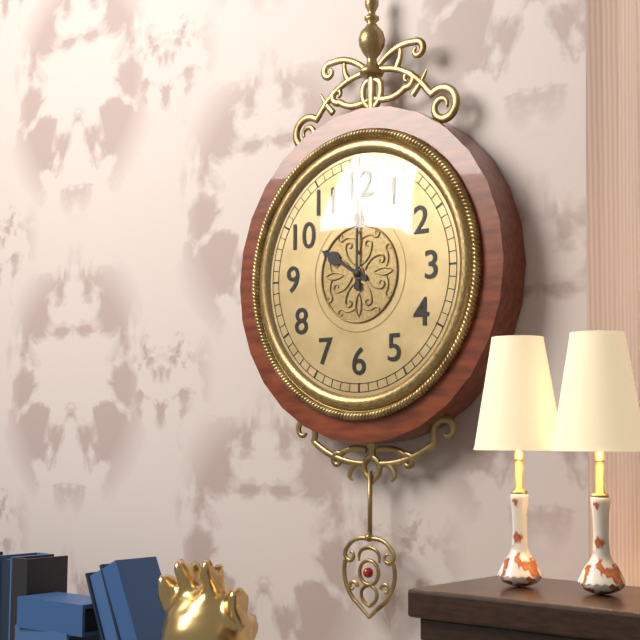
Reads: 10.00
